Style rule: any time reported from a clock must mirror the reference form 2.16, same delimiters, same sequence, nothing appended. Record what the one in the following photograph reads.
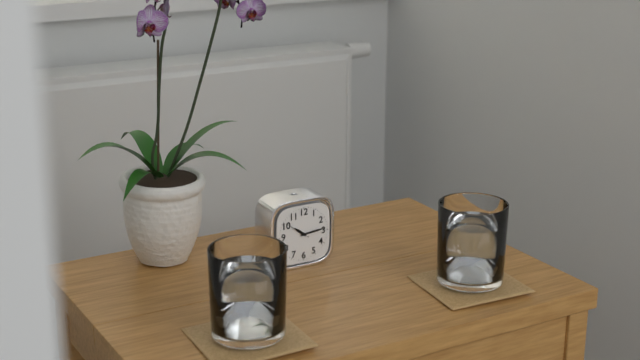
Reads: 10.14
